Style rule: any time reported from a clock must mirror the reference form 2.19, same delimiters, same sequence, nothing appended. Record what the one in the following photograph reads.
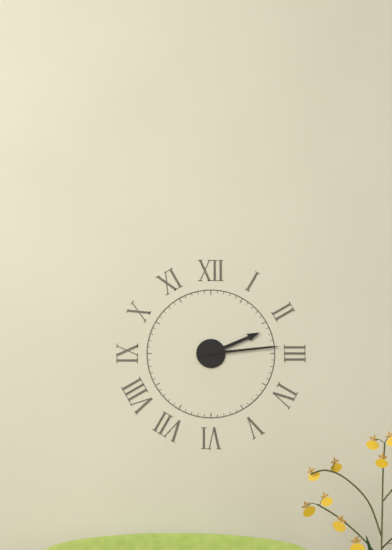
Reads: 2.14
